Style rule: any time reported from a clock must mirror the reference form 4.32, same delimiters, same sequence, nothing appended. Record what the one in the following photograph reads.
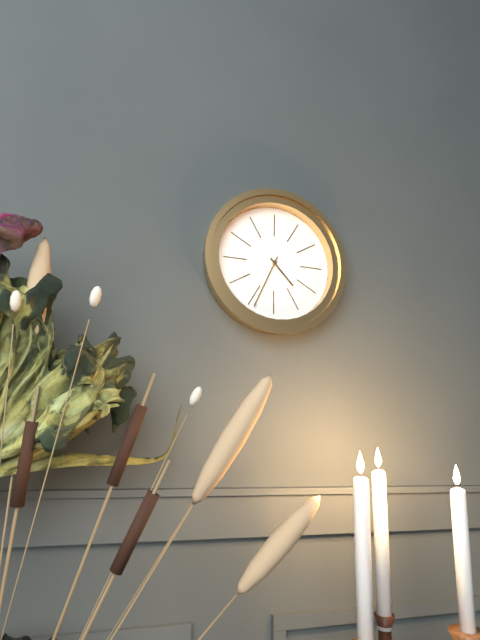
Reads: 4.34
